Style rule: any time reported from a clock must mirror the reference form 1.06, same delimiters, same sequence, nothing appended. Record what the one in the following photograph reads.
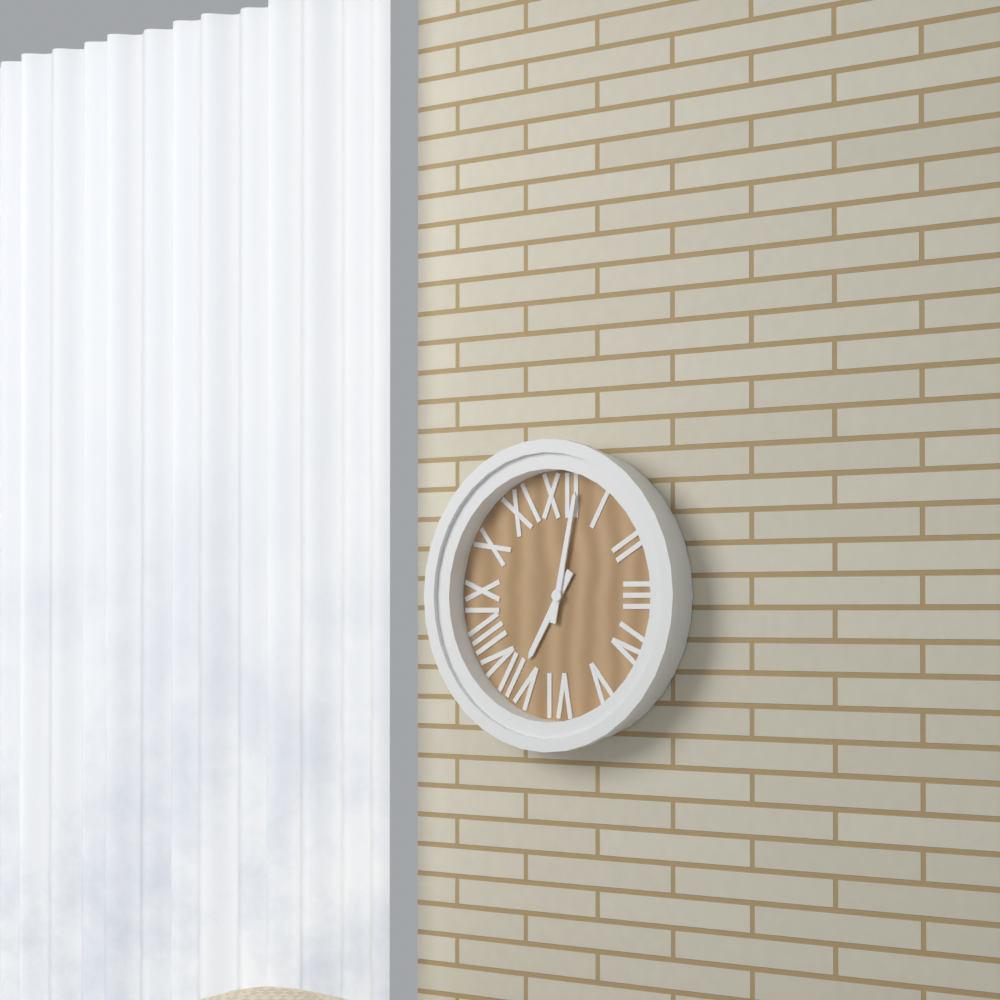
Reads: 7.02
